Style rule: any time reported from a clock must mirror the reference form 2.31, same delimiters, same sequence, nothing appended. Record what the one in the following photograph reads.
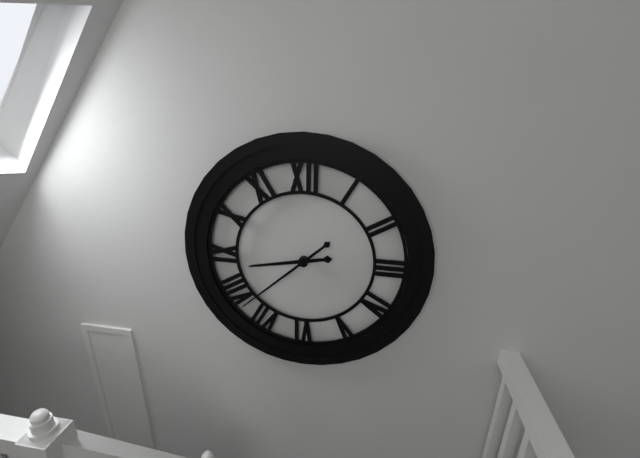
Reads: 8.38
